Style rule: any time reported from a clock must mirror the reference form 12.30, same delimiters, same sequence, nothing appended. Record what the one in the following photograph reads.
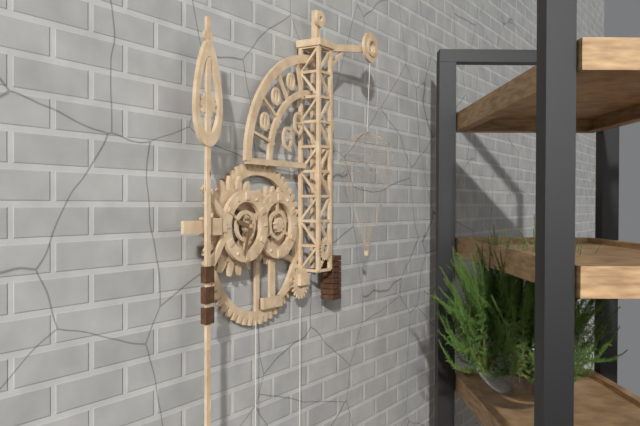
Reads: 9.33
